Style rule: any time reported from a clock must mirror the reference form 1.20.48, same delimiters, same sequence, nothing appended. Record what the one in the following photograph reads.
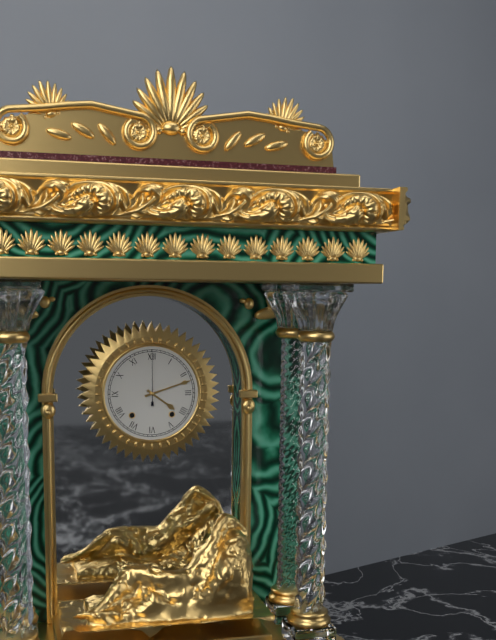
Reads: 4.12.00
